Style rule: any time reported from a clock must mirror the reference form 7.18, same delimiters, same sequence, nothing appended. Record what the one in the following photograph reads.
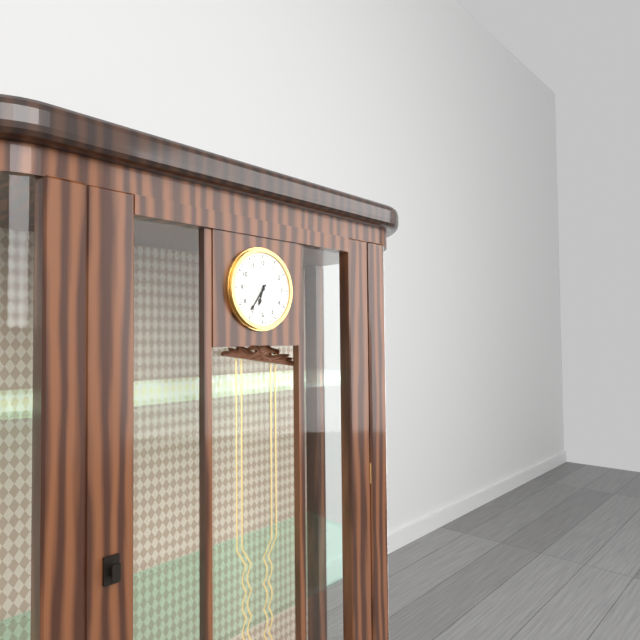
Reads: 6.36
